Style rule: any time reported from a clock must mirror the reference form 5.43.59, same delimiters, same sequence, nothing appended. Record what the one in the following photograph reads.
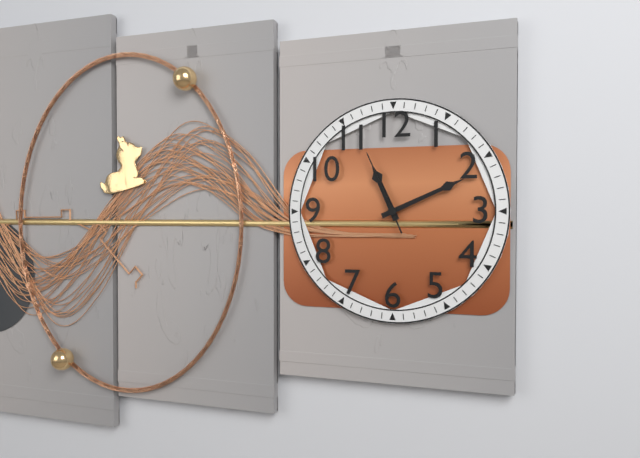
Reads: 11.11.56
